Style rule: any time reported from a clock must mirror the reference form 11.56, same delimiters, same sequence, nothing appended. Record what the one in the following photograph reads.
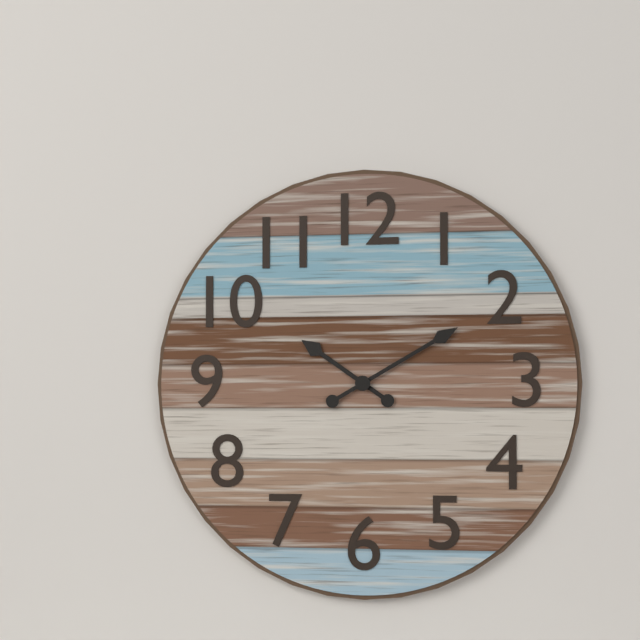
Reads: 10.10
